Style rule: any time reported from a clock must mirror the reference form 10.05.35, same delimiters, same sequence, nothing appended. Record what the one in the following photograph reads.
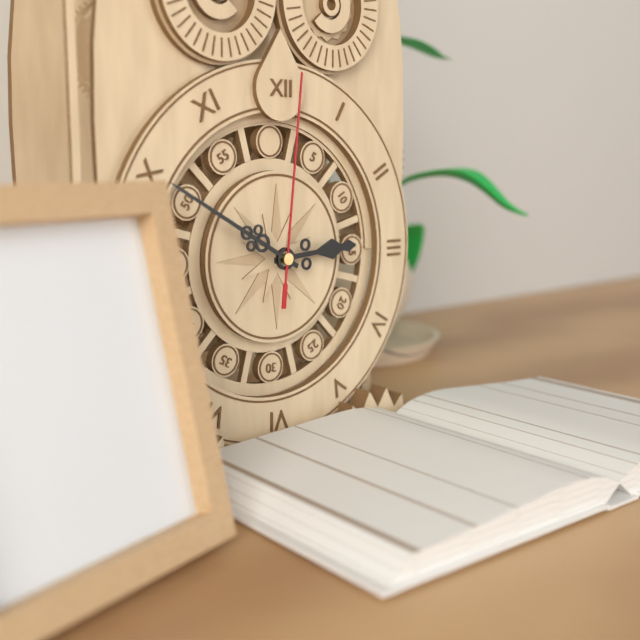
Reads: 2.50.01
